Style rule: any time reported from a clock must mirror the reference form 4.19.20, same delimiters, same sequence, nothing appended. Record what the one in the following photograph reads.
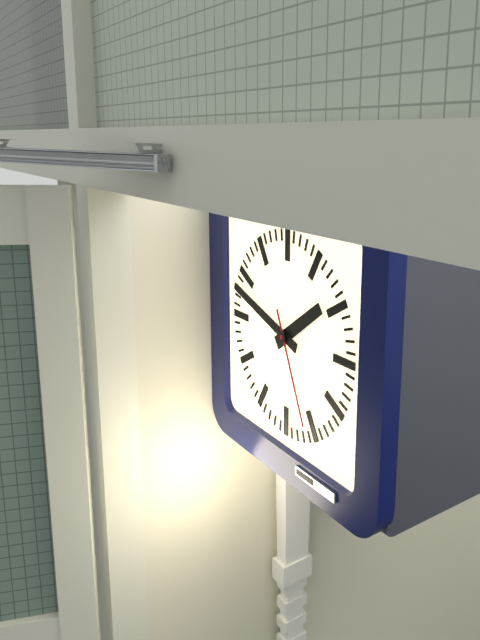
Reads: 1.48.26
